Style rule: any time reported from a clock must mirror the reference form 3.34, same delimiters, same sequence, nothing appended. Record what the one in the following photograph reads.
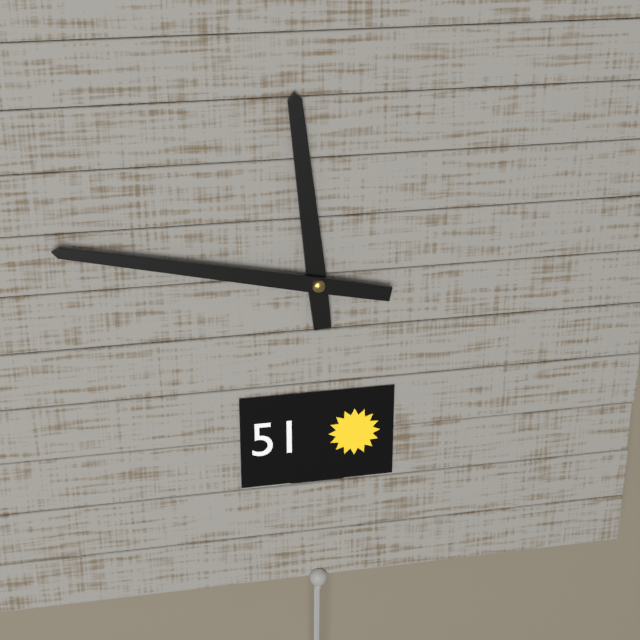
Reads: 11.47
